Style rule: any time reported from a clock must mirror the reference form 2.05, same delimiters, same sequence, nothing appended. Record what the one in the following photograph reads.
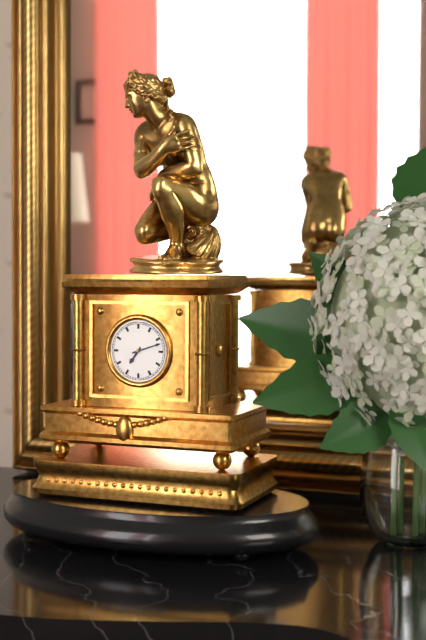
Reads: 7.12
